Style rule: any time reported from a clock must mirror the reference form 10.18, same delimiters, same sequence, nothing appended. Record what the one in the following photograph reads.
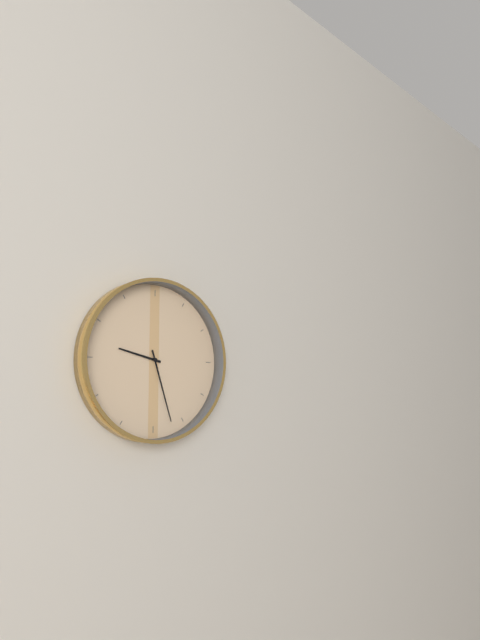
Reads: 9.27
